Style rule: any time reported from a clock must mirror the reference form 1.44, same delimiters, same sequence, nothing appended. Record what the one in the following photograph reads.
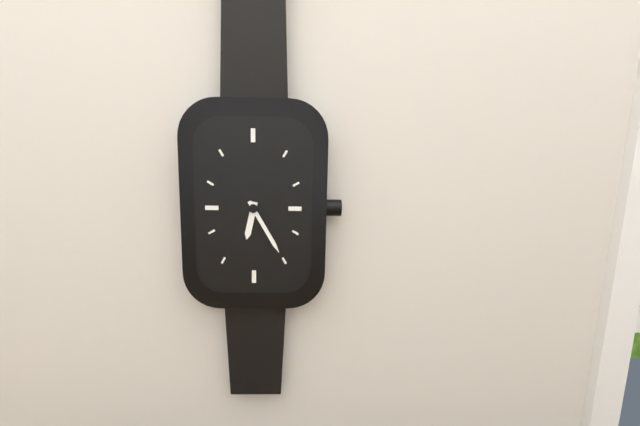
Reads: 6.25
